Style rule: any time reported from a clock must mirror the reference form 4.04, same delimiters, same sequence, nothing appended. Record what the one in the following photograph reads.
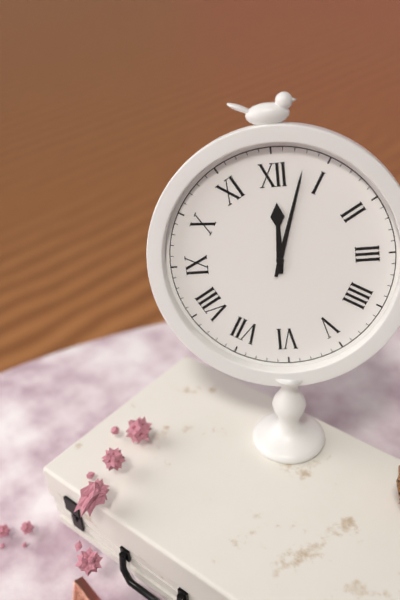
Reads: 12.03
